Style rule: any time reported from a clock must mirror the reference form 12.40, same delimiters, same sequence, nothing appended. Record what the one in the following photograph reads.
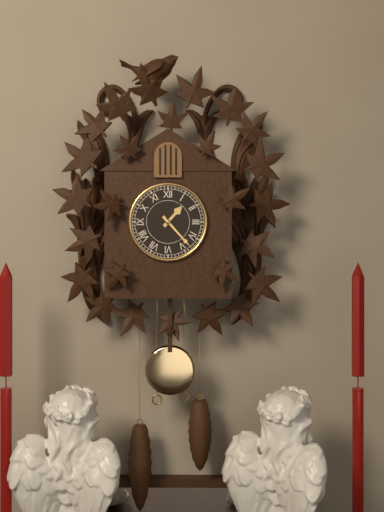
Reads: 1.23
